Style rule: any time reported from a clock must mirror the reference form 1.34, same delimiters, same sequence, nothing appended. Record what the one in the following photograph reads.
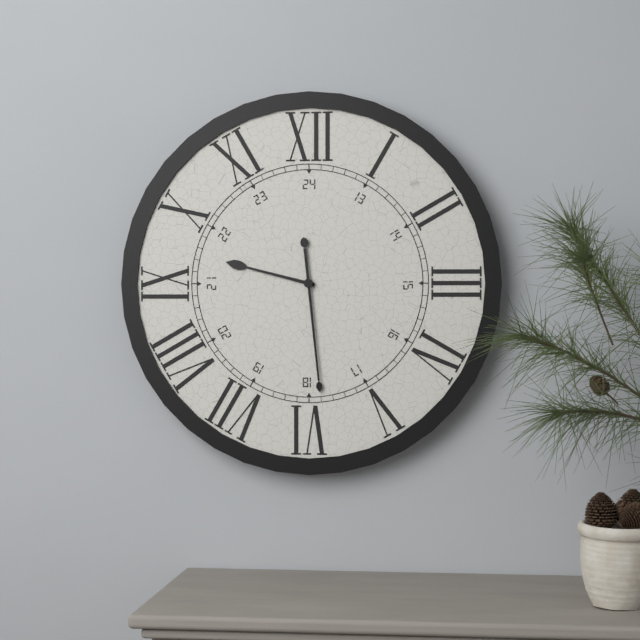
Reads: 9.29
